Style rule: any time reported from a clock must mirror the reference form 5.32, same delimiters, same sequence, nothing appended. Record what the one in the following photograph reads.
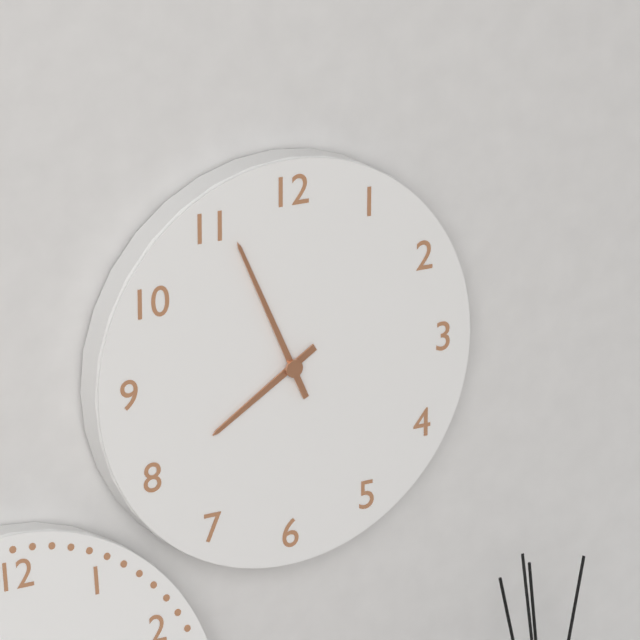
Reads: 7.56
